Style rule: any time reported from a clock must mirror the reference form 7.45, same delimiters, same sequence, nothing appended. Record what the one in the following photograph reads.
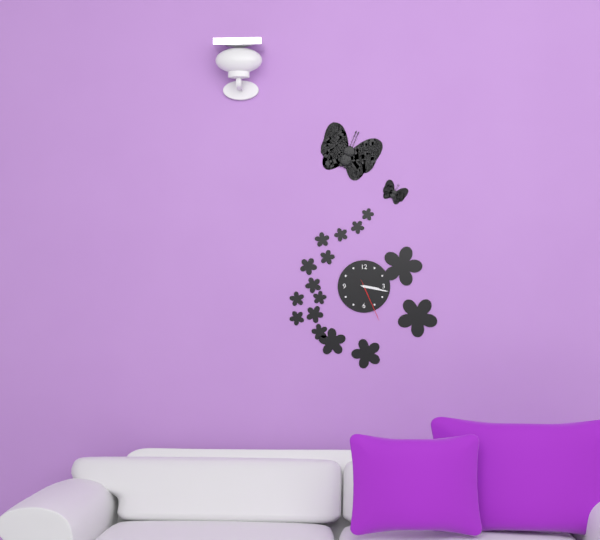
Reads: 3.17
